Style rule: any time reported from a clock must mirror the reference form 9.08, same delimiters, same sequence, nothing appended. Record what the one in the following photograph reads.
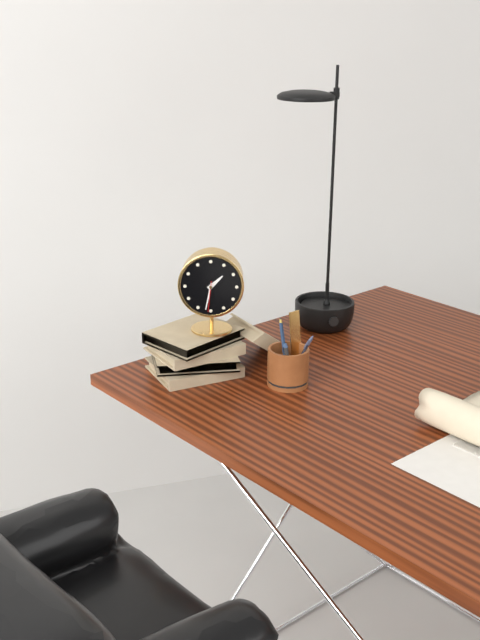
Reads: 1.32
